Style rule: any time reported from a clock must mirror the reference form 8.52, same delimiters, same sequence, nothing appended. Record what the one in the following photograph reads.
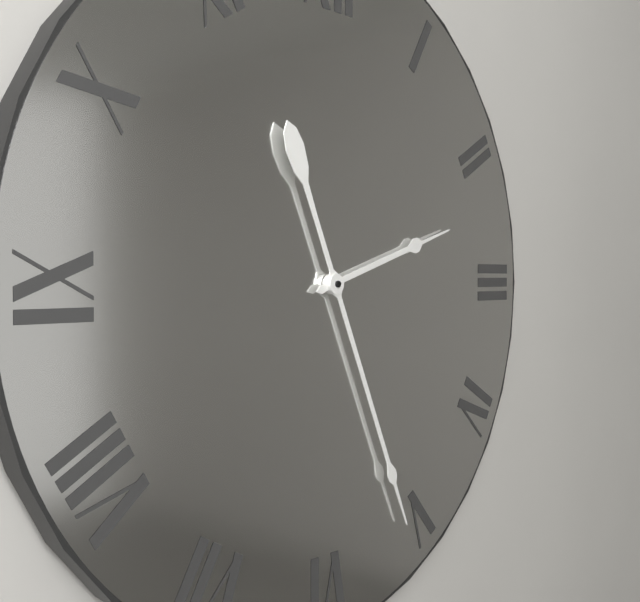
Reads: 2.26
